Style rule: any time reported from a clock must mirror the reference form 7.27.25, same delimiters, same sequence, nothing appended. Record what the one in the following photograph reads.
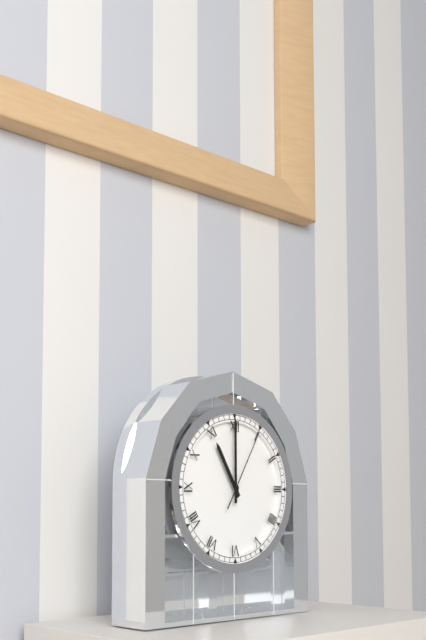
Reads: 11.00.05
